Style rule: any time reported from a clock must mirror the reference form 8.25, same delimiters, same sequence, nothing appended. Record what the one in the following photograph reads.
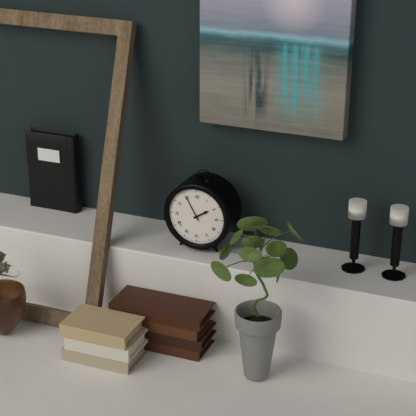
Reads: 1.55
